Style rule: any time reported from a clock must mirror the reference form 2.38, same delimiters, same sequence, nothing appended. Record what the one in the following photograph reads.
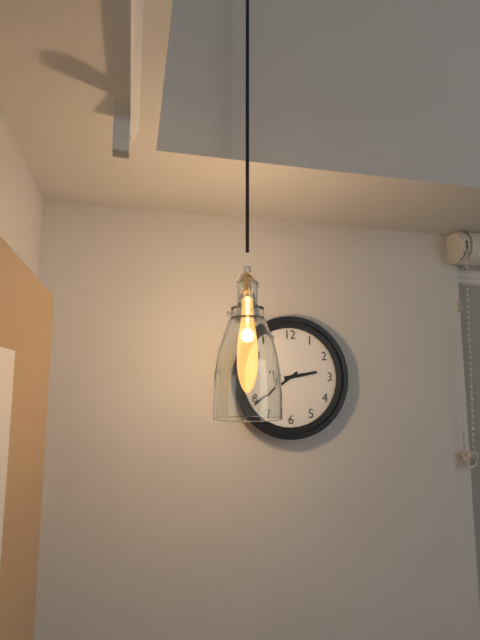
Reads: 2.39
